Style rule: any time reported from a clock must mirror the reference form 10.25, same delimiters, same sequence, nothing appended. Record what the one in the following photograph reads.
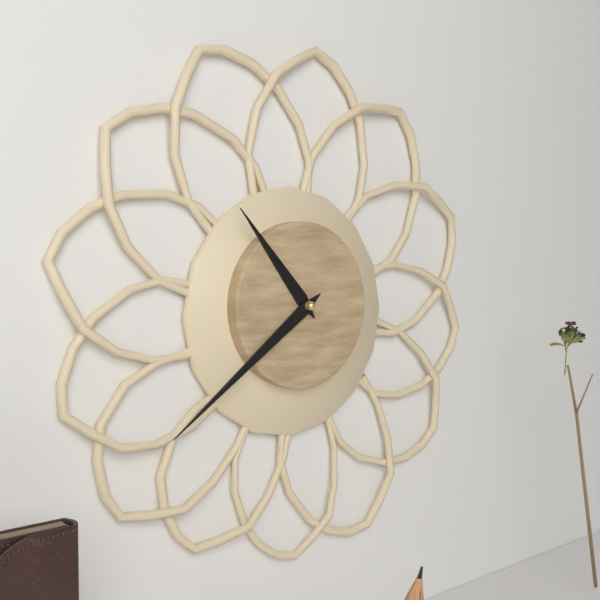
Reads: 10.39
